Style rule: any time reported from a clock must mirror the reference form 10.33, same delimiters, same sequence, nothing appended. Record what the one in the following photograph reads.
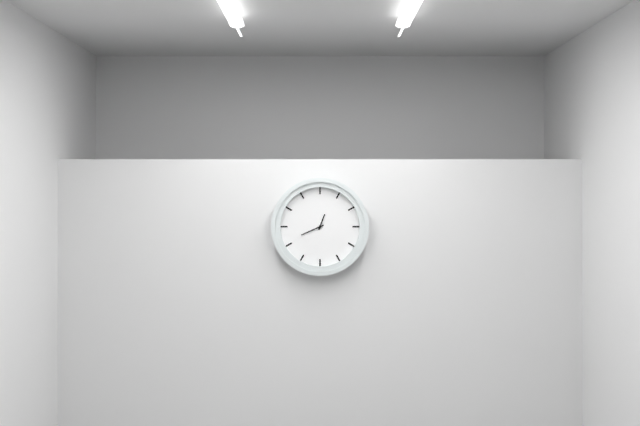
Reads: 12.41
